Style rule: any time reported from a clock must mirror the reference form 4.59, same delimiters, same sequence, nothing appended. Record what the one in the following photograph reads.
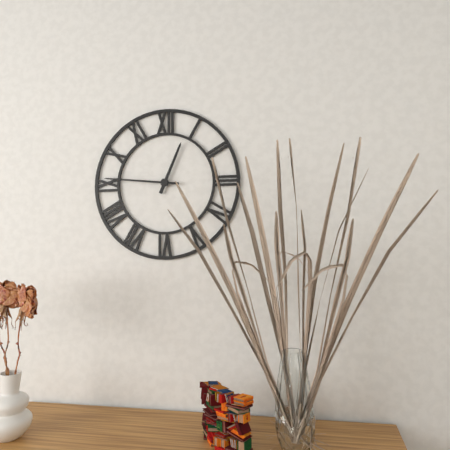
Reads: 12.46
